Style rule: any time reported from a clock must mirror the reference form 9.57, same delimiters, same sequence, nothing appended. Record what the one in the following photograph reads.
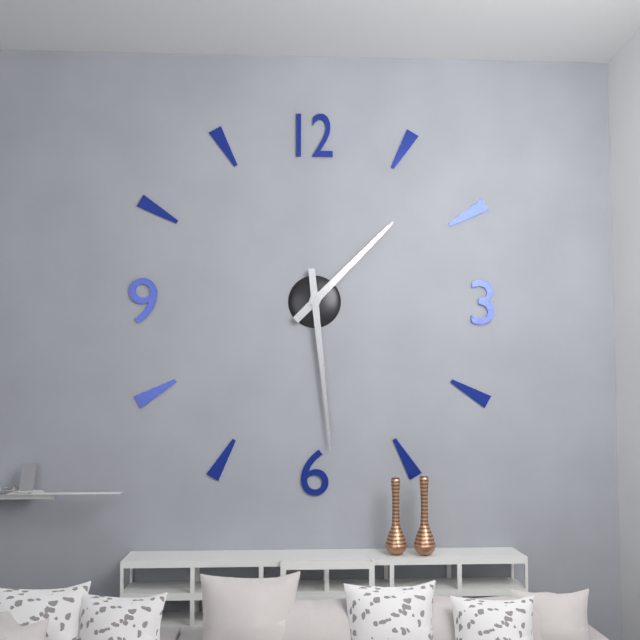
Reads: 1.29
